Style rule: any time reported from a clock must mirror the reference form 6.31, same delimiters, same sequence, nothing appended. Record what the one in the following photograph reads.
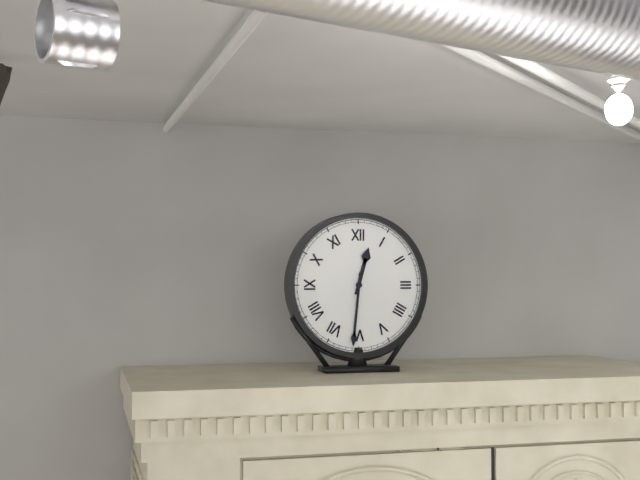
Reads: 12.31
